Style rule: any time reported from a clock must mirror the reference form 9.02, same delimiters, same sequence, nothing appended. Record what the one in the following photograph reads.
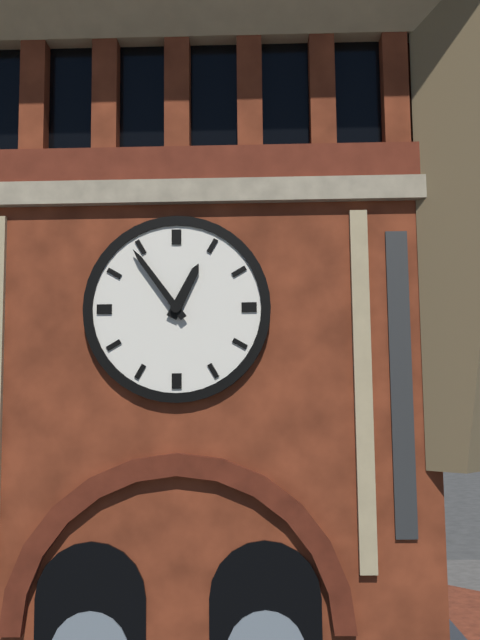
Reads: 12.54
